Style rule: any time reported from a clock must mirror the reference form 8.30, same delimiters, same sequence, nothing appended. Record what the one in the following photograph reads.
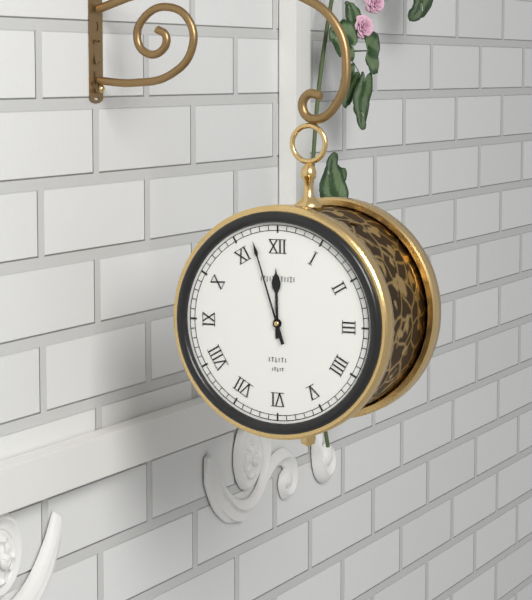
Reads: 11.57
